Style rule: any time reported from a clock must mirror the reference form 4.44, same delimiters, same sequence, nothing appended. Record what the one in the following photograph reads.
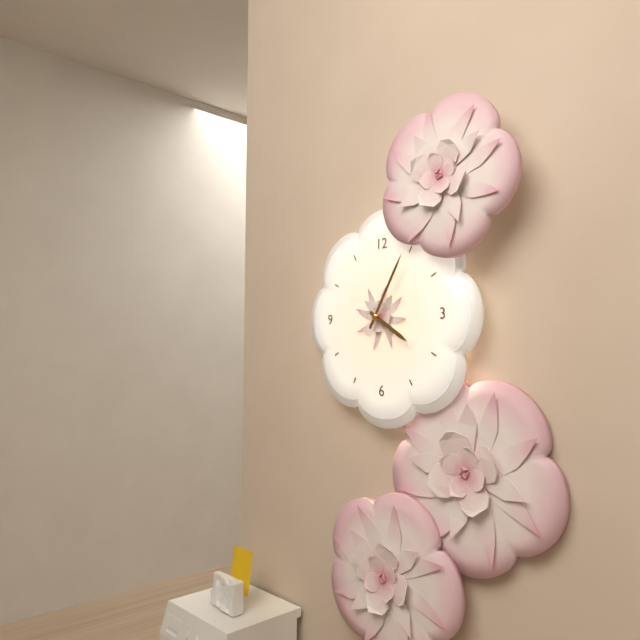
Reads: 4.05
